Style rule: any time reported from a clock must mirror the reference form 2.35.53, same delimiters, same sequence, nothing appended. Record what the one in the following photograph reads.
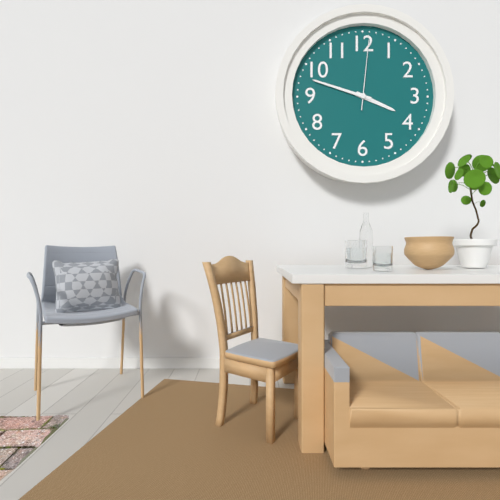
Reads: 3.48.01
